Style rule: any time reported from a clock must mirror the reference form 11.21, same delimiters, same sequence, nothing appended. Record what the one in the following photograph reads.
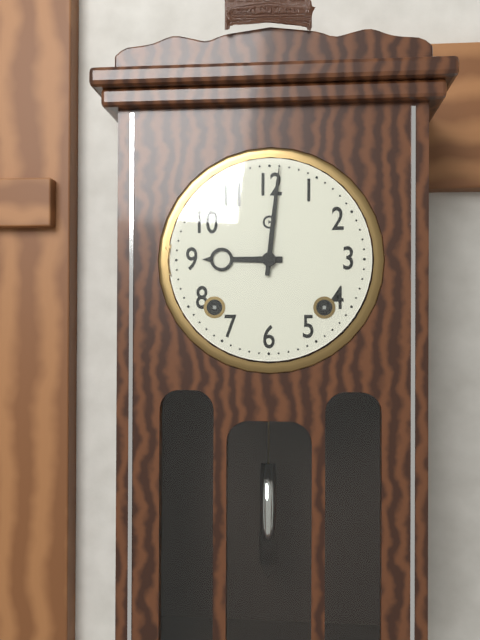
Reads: 9.01
